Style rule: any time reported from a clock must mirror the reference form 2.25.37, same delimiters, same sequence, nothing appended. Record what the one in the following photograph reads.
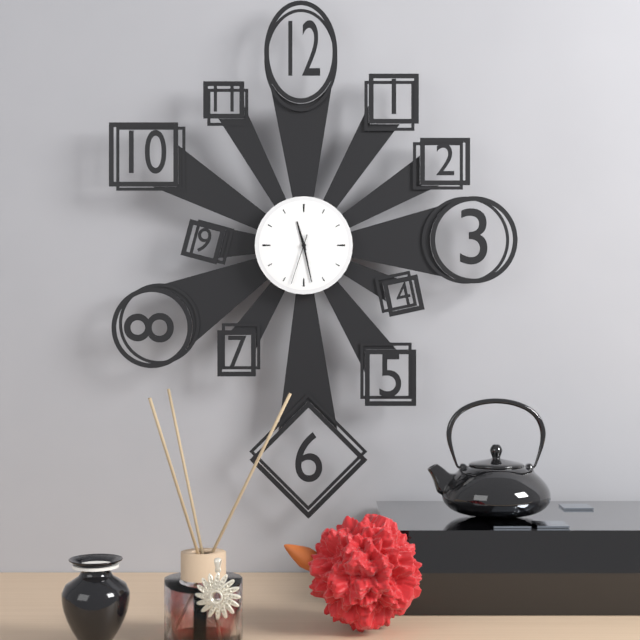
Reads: 11.28.33
